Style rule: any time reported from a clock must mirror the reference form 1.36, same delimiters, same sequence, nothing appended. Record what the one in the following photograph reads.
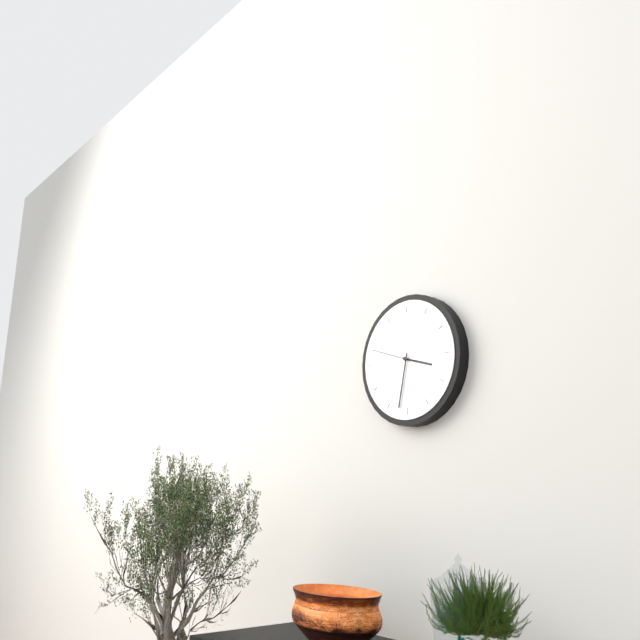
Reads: 3.32
